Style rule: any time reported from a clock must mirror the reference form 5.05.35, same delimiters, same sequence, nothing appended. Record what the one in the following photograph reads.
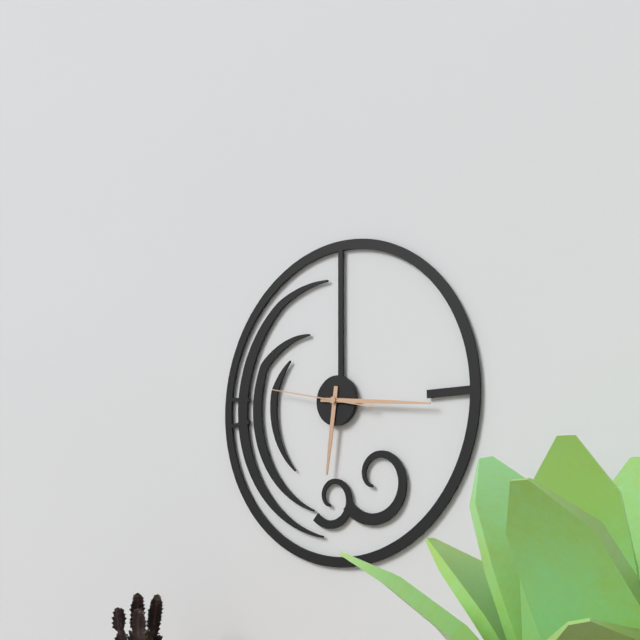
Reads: 6.16.47
